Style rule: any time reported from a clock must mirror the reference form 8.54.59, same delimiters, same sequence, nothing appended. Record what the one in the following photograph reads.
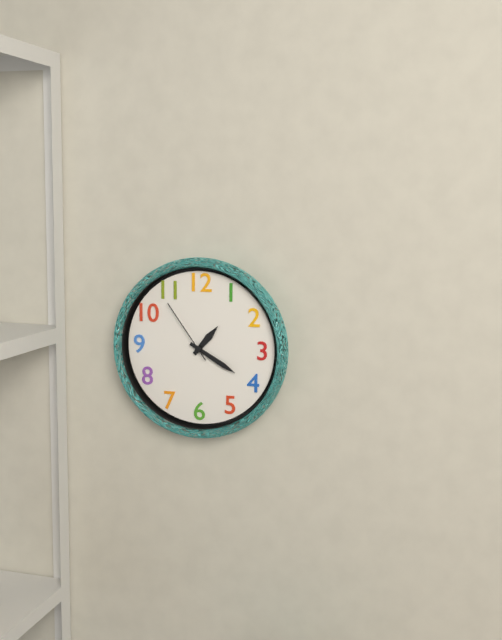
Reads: 1.20.54
